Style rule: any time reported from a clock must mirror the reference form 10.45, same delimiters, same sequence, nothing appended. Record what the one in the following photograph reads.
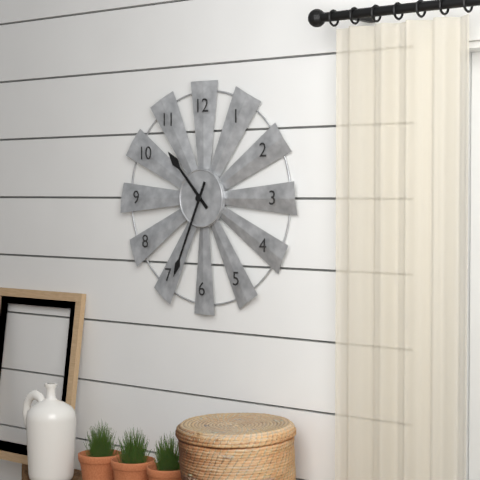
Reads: 10.34
